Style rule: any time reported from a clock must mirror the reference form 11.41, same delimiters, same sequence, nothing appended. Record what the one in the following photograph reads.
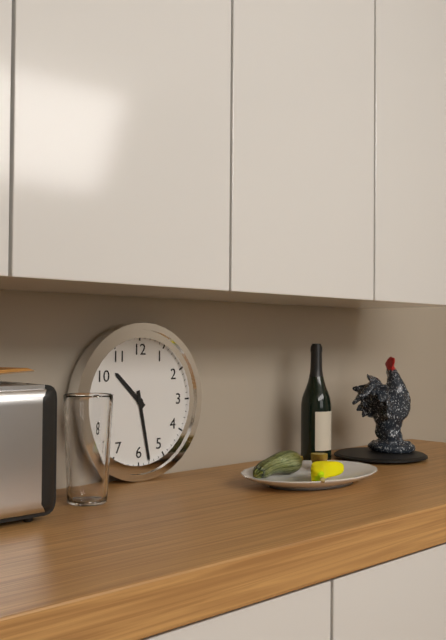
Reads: 10.28
